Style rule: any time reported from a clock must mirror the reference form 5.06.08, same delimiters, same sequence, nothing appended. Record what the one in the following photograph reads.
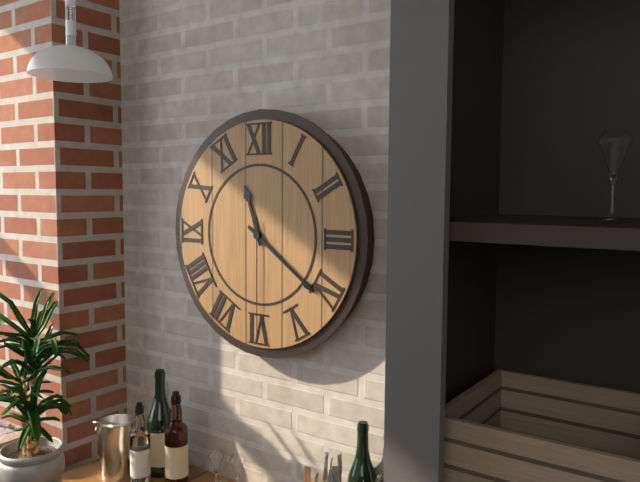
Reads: 11.21.30
